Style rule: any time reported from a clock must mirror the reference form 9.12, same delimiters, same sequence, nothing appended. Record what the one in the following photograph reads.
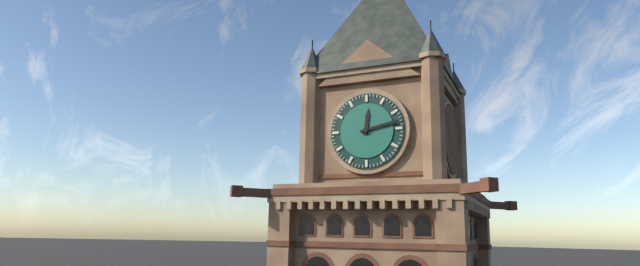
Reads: 12.13
